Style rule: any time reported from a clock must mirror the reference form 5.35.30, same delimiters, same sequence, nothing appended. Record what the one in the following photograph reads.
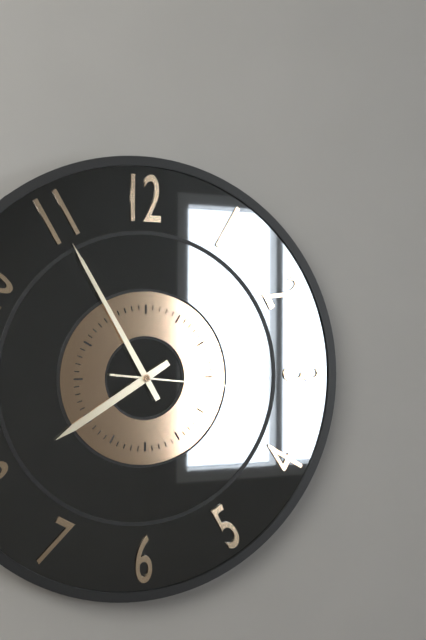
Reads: 7.55.16
